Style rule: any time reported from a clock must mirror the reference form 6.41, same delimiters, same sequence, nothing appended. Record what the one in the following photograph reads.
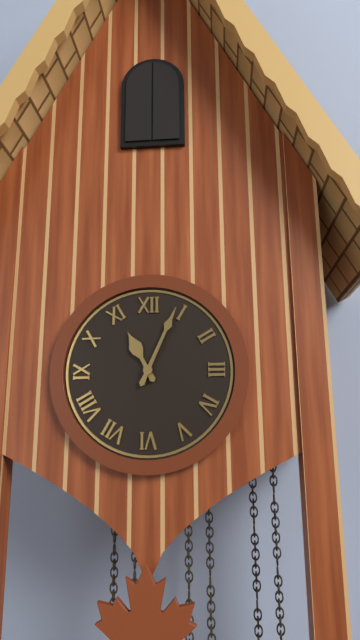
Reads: 11.04
